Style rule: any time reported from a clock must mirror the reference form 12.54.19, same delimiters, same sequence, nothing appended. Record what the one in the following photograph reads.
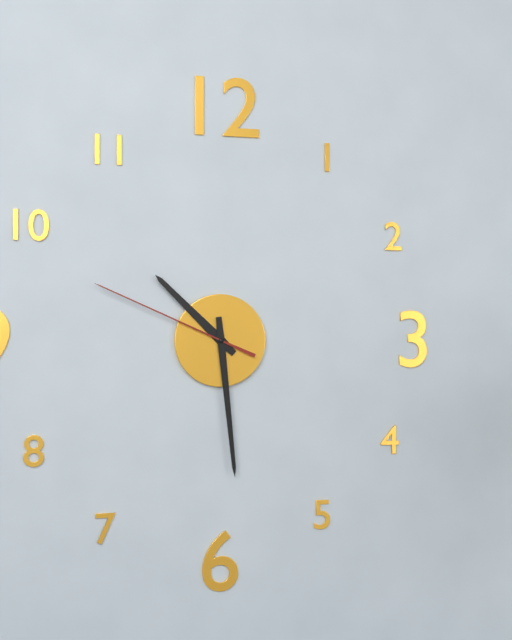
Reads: 10.29.49
